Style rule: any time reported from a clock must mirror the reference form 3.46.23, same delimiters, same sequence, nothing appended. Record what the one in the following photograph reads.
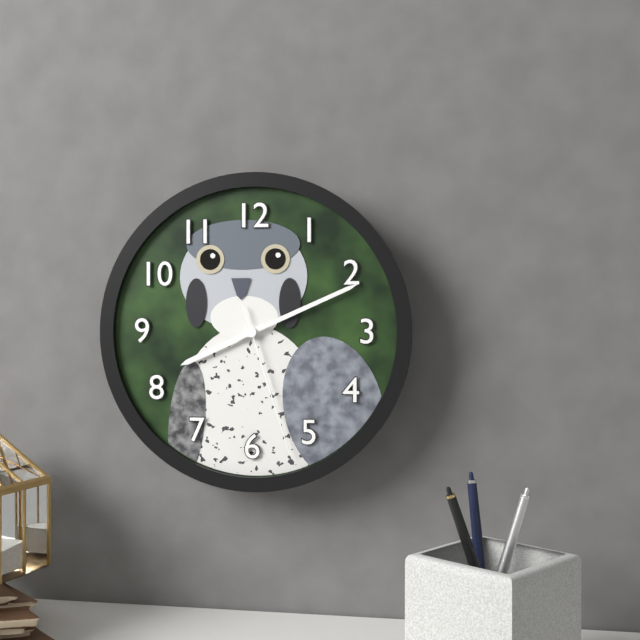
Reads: 8.11.27
